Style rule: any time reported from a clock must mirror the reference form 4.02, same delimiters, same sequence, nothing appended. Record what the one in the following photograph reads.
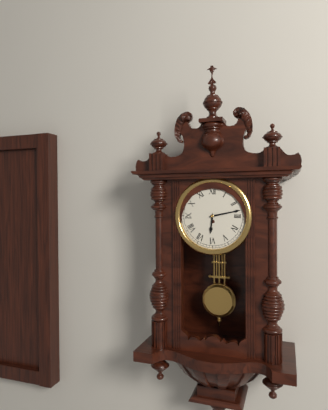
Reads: 6.13
